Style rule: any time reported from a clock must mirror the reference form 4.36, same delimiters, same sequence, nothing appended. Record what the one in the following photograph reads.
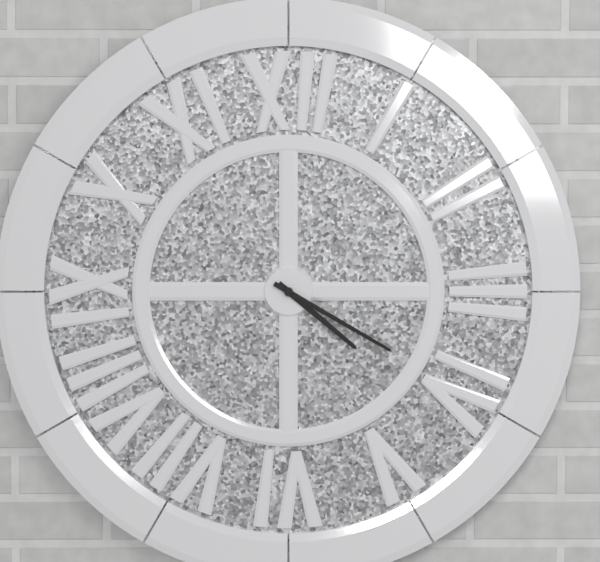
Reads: 4.20
